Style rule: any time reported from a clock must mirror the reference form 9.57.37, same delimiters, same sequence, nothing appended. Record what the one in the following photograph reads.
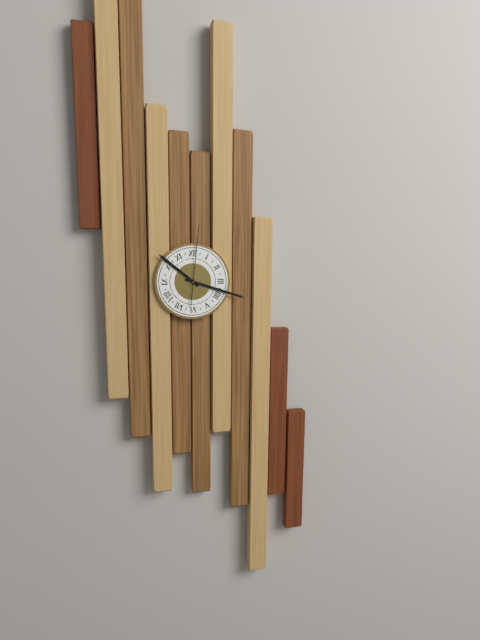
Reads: 10.18.01
